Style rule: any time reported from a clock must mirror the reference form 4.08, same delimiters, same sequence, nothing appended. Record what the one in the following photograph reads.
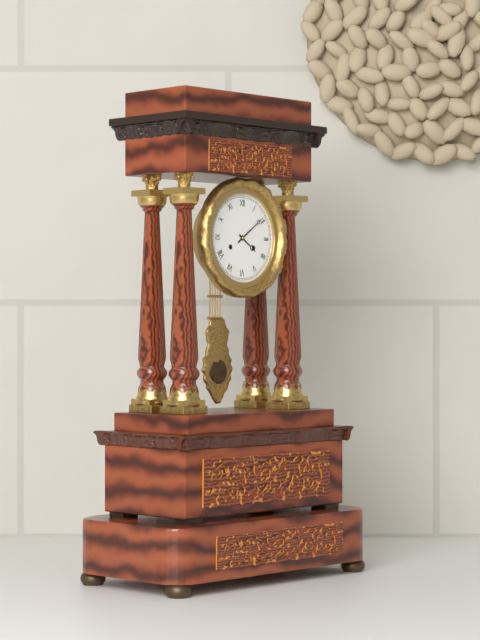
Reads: 4.09
